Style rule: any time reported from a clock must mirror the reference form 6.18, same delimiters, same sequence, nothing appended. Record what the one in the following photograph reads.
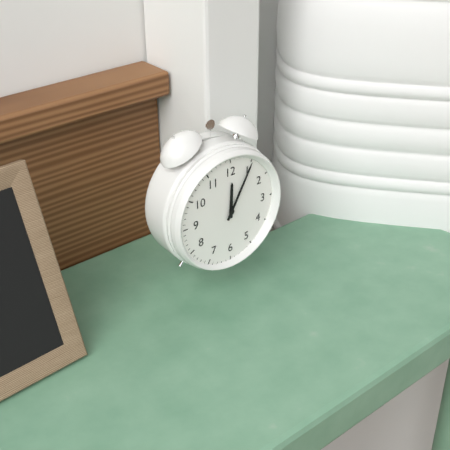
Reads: 12.05
